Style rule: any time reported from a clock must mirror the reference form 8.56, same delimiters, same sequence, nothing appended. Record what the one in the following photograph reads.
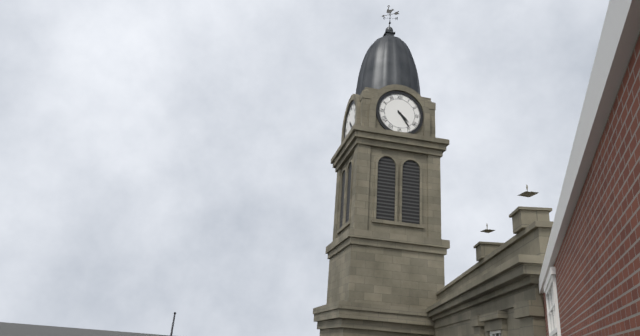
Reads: 4.24
